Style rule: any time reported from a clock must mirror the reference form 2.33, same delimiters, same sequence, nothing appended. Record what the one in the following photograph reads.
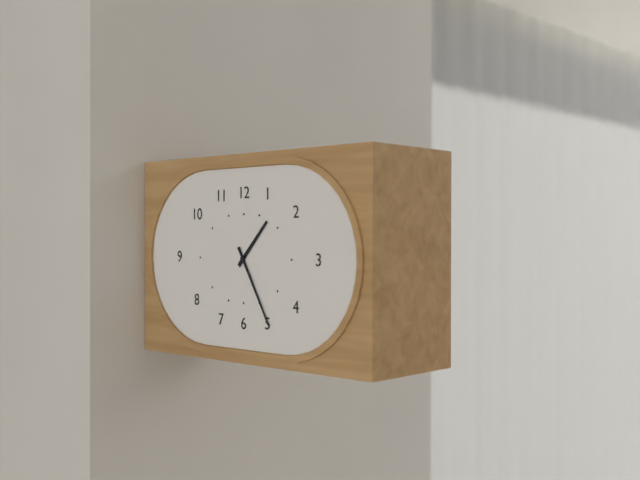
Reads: 1.25
